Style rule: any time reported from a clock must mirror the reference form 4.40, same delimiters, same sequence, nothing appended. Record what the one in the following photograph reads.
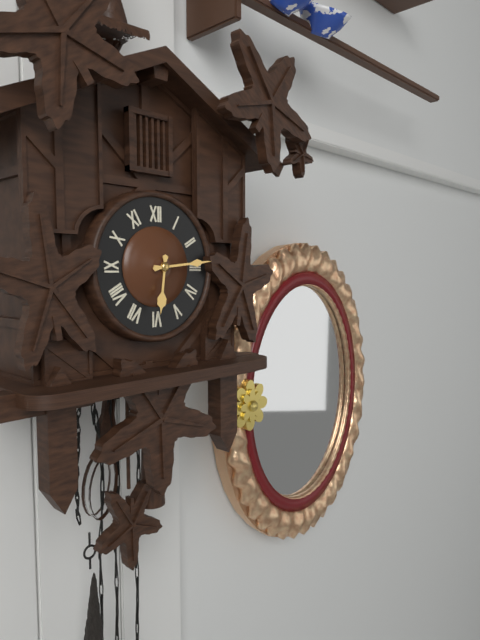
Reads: 6.14
